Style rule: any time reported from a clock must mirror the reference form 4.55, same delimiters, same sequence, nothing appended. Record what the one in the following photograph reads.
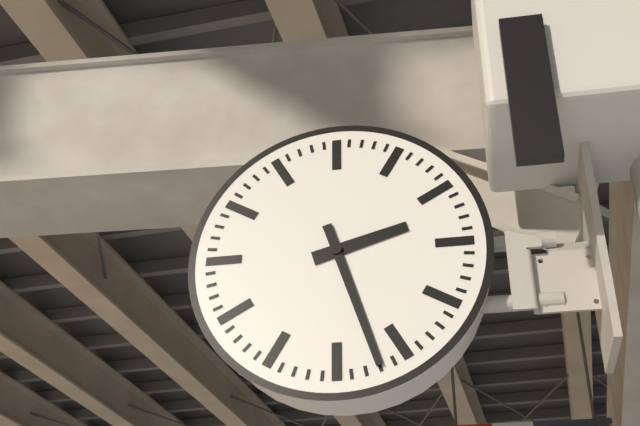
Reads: 2.27
